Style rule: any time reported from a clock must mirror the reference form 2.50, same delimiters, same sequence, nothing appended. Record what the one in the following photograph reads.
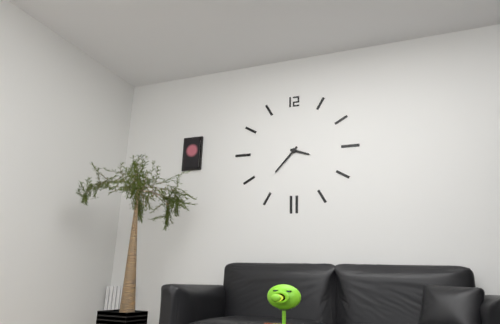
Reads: 3.37
